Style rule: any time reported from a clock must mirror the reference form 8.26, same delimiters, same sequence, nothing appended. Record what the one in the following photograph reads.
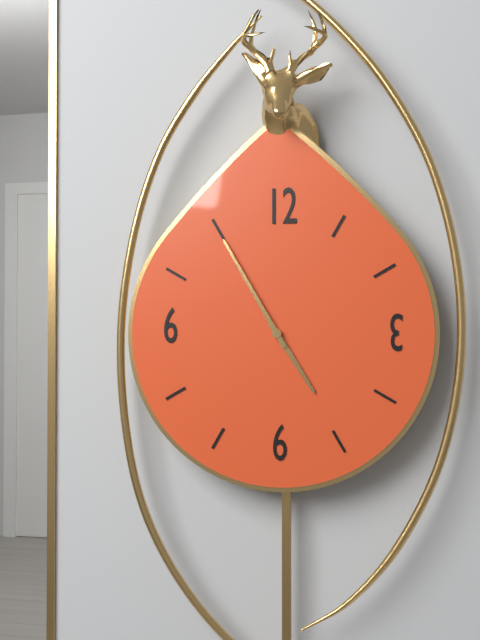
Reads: 4.55
